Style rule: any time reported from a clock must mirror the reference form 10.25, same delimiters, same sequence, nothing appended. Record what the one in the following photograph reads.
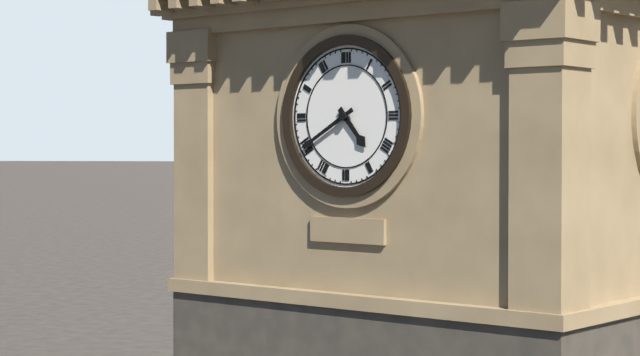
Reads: 4.40
